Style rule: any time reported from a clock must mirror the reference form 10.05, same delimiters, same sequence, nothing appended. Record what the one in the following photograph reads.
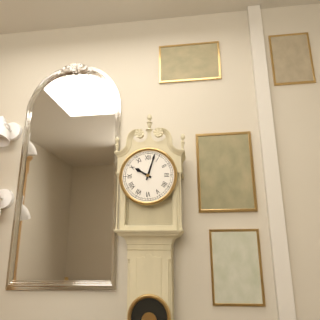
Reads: 10.03
